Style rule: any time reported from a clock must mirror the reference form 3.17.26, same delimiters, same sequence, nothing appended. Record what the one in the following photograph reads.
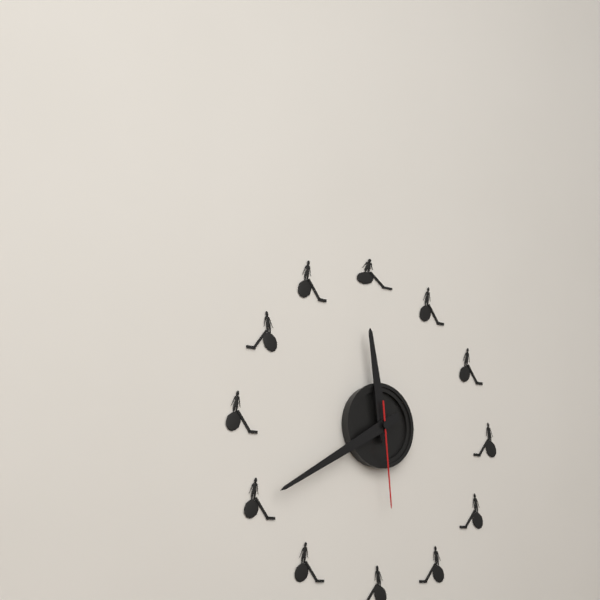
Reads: 11.40.29
